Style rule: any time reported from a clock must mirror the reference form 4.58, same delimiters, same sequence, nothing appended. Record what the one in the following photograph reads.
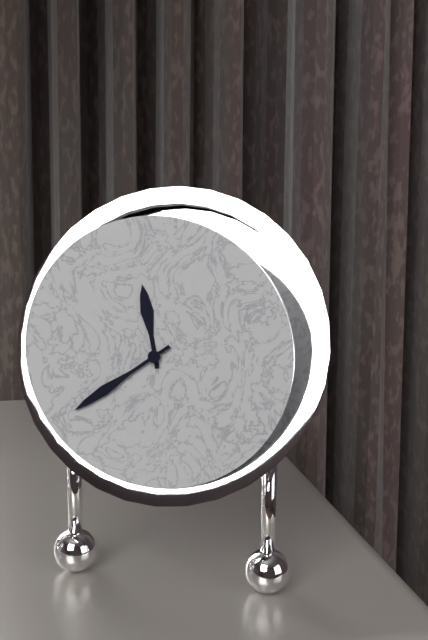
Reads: 11.39
